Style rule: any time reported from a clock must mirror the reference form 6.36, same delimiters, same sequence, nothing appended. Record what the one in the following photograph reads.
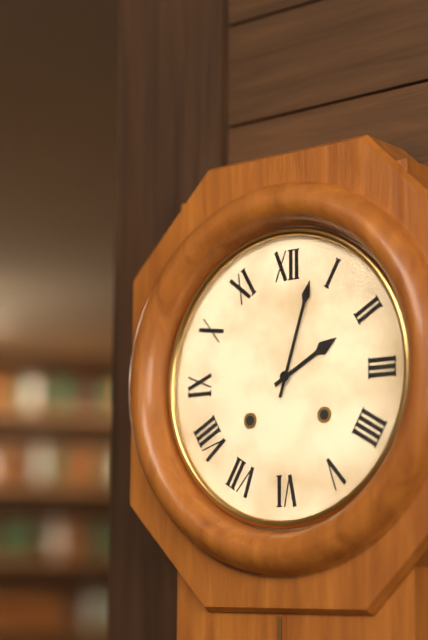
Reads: 2.03
